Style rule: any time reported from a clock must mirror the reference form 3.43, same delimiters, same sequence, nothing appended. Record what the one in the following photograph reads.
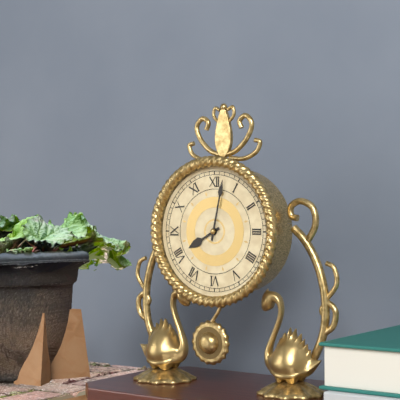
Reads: 8.02
